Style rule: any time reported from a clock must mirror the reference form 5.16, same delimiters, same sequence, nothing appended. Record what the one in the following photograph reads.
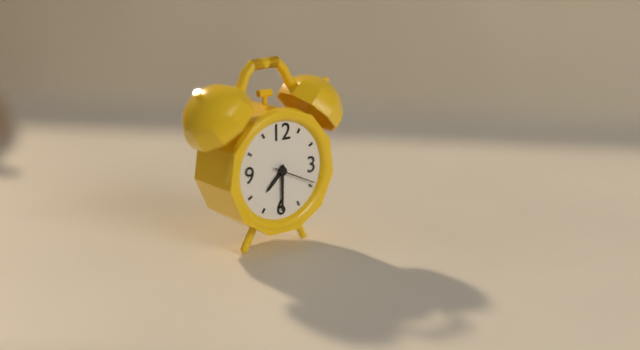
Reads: 7.30
